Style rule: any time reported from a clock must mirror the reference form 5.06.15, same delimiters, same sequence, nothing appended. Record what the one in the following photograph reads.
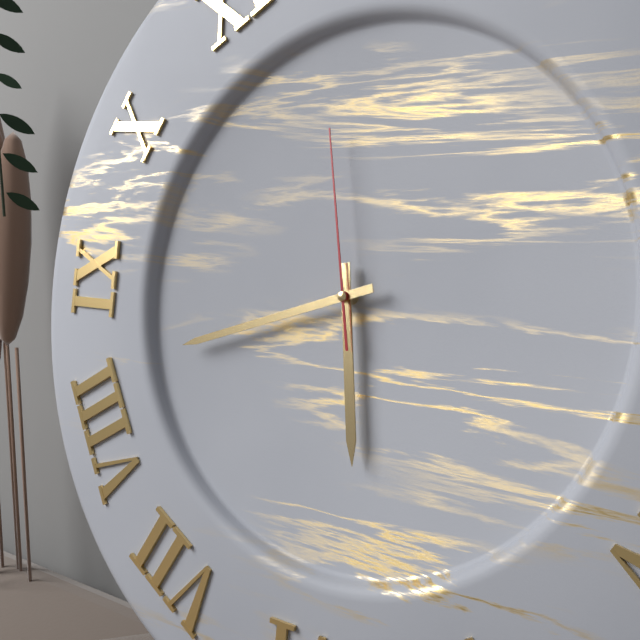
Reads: 5.42.58
